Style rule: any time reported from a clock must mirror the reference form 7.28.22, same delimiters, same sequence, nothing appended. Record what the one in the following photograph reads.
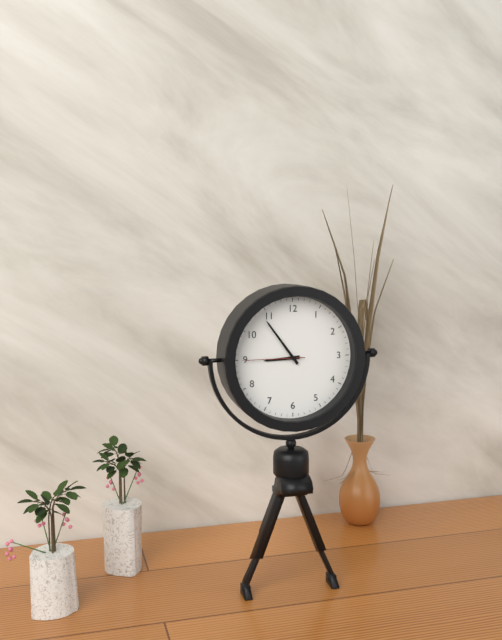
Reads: 8.54.45
